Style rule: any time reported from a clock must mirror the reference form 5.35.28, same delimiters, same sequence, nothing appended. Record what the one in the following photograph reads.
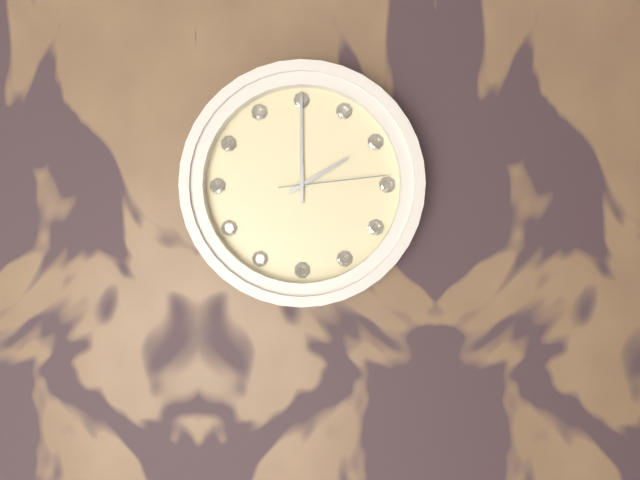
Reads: 2.00.14
